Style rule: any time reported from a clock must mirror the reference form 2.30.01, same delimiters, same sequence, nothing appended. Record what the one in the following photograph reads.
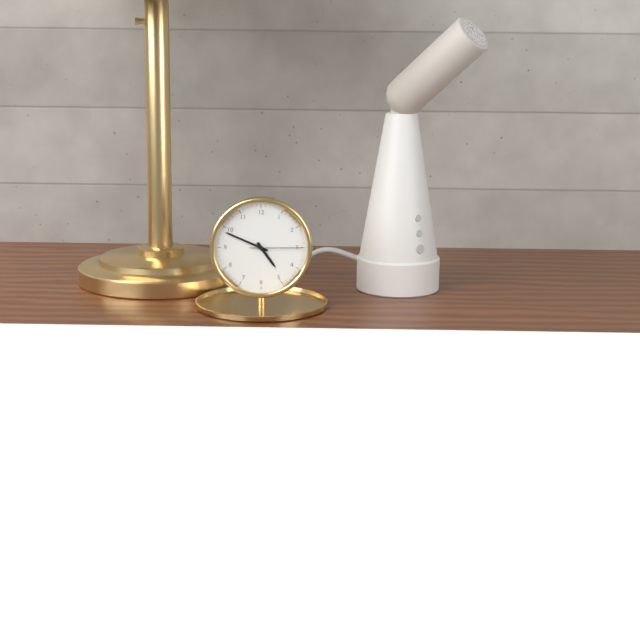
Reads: 4.49.15
